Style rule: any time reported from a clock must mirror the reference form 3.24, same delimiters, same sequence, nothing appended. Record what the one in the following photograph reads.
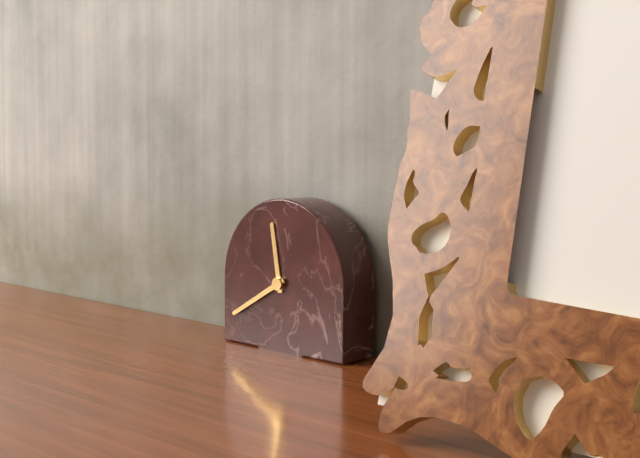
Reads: 11.40
